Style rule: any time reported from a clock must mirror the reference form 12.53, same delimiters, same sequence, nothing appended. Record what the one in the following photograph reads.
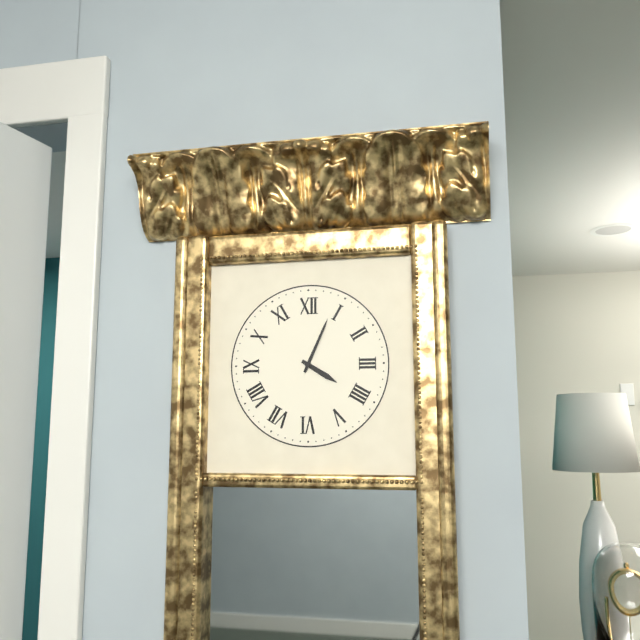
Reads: 4.04
